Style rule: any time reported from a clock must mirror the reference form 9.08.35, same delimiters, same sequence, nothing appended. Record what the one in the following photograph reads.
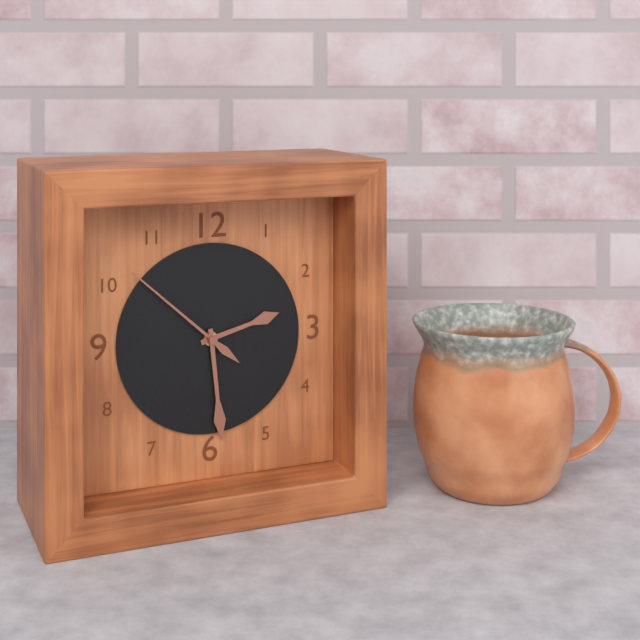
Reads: 2.29.52
